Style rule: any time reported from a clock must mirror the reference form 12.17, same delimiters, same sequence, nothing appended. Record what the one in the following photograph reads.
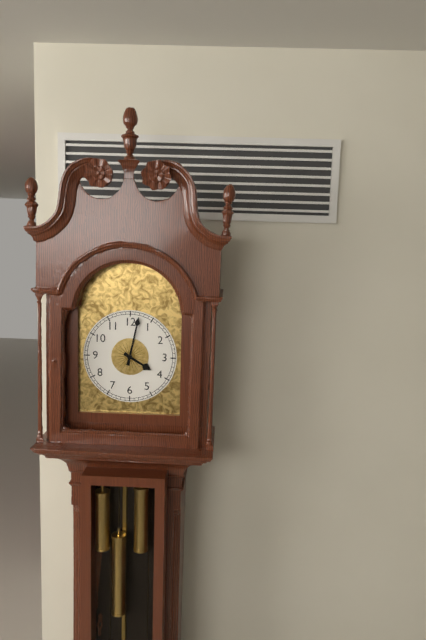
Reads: 4.02
